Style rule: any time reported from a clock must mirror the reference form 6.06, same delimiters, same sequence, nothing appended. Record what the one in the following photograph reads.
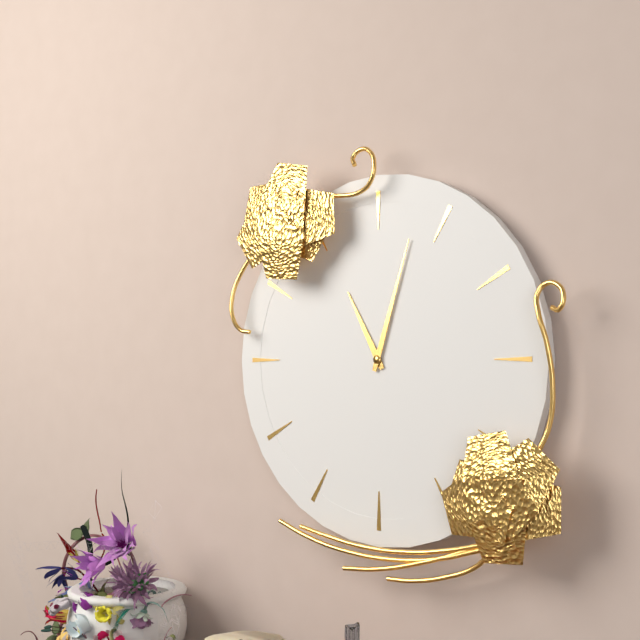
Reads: 11.03
